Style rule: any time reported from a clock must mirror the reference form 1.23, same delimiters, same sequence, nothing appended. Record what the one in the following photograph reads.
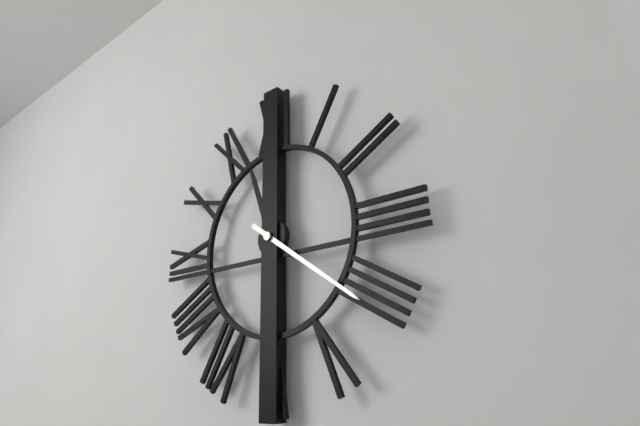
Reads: 11.21
